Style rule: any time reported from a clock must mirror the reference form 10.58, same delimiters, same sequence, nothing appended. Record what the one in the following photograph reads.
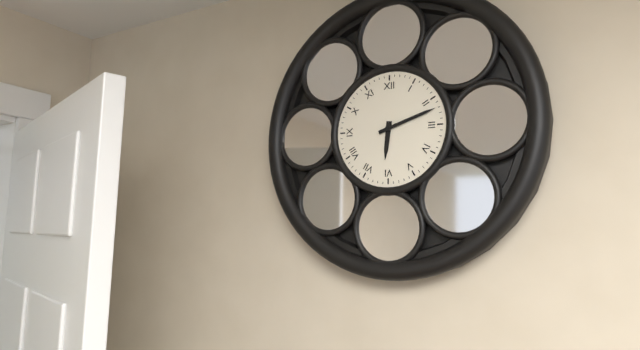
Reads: 6.12
